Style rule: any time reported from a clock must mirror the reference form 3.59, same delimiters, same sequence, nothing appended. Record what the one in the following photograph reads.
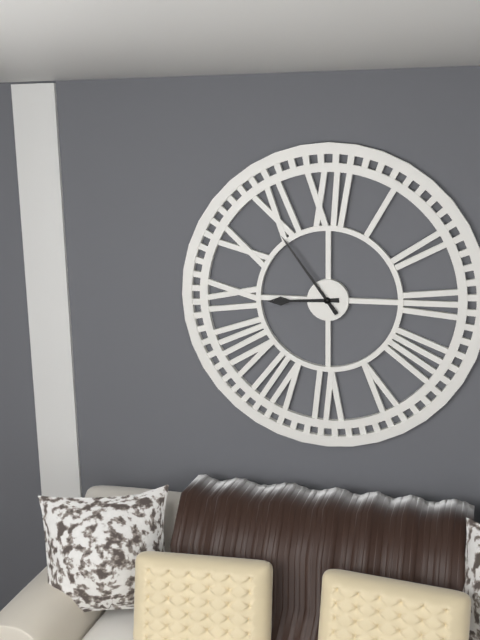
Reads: 8.54
